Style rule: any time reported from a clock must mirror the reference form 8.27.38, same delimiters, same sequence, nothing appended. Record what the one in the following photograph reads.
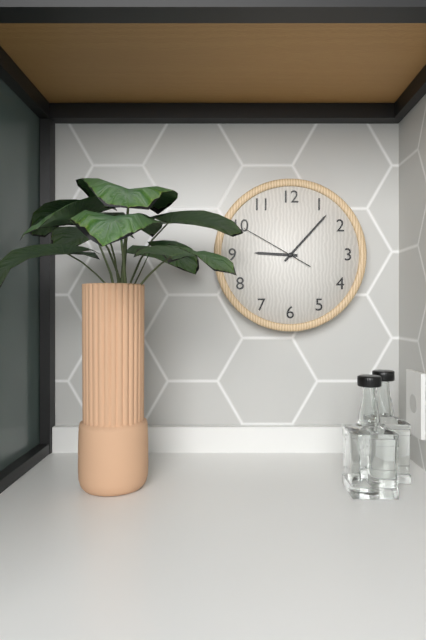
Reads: 9.07.50
